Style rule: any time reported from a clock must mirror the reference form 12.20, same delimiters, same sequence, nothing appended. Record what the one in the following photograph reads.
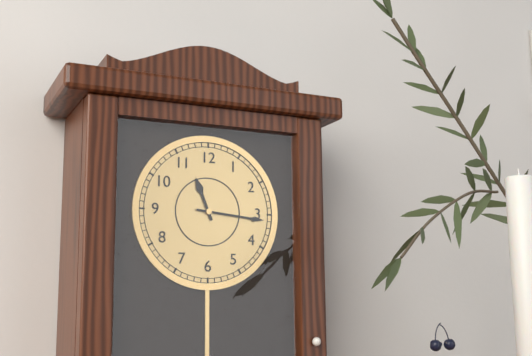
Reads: 11.16
